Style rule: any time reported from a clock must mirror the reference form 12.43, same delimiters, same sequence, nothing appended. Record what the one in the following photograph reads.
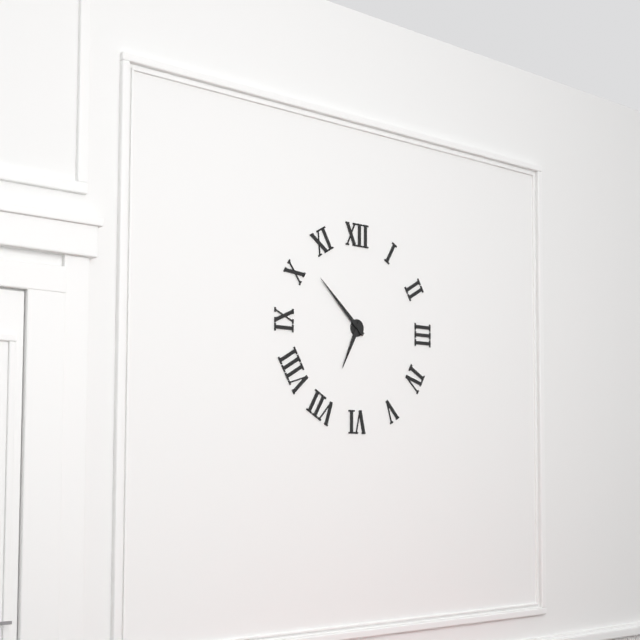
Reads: 6.52
